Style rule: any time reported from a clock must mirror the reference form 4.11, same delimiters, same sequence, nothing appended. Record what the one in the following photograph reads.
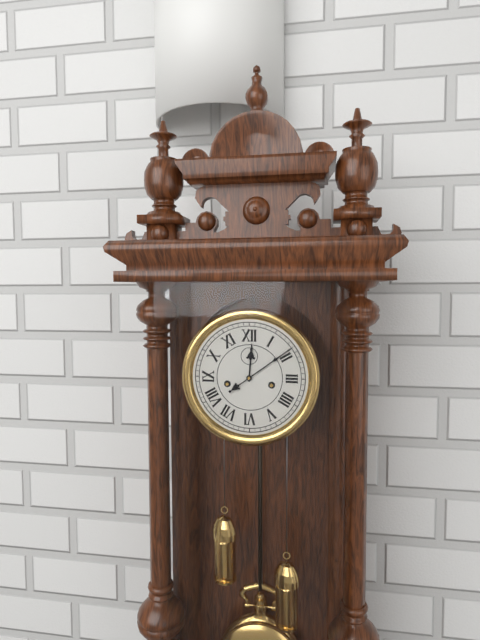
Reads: 12.09
